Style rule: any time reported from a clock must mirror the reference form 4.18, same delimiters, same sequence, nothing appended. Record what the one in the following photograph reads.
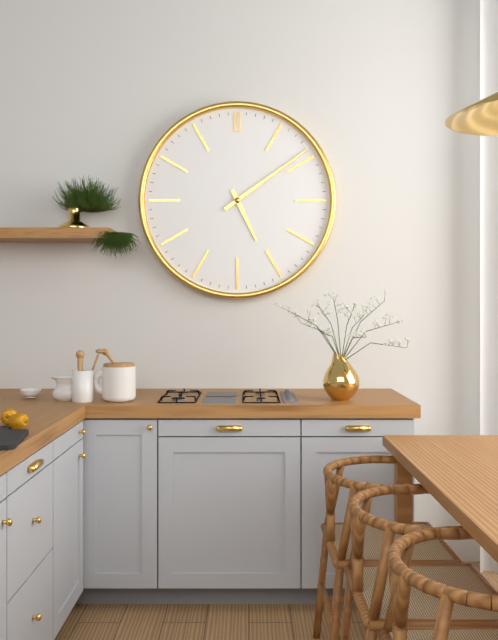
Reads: 5.09
